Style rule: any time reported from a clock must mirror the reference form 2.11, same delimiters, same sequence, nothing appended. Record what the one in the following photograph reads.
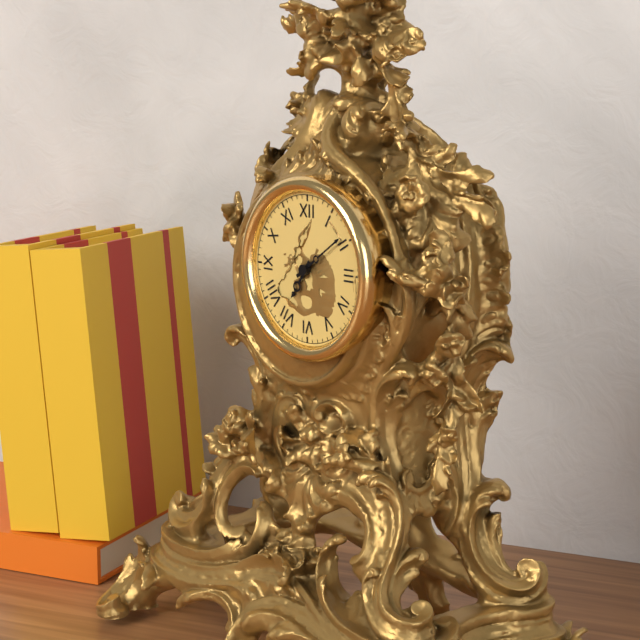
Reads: 7.09
